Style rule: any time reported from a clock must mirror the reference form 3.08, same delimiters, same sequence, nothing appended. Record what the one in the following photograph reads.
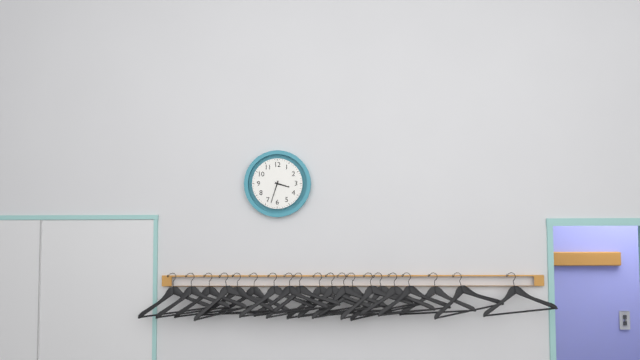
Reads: 3.33
